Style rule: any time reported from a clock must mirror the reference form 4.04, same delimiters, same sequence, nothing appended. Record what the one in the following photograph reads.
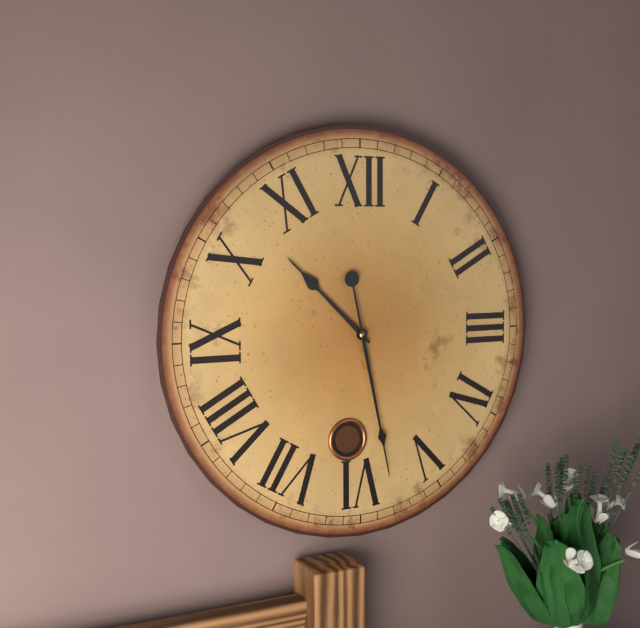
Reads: 10.28
